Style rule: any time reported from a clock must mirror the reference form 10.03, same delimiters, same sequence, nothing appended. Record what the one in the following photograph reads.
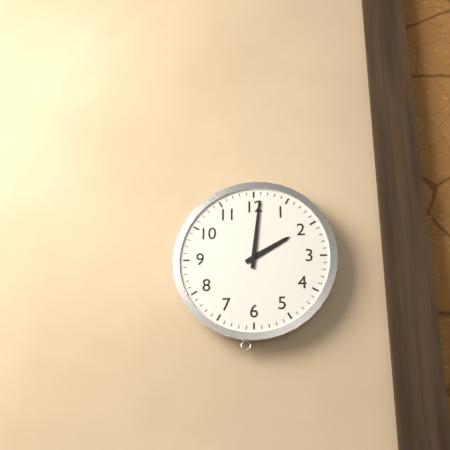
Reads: 2.01
